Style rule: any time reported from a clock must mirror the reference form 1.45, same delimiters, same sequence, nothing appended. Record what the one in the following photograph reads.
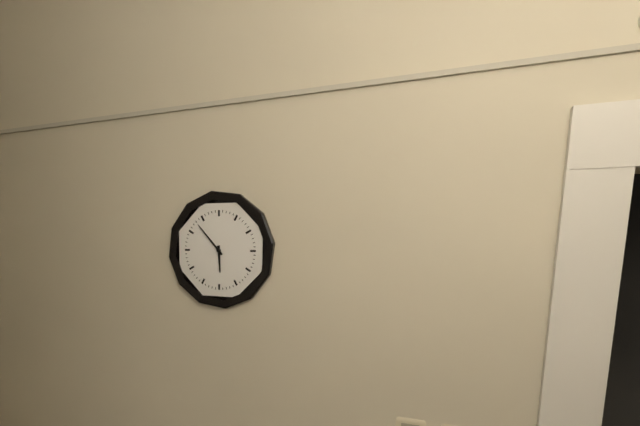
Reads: 5.53
